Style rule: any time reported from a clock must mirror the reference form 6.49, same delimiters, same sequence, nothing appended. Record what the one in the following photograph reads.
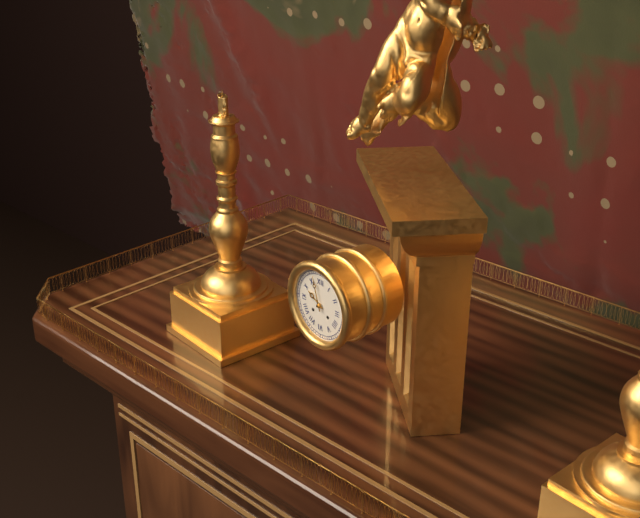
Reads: 9.57
